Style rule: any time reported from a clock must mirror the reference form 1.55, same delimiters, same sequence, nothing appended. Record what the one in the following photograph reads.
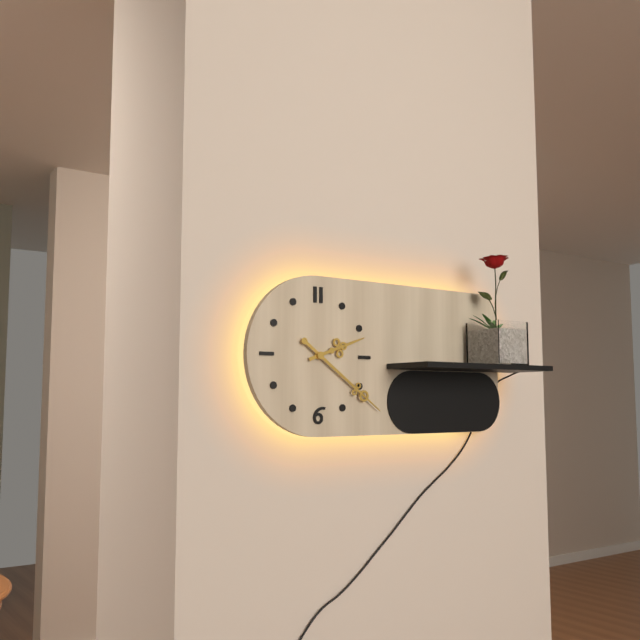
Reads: 2.21
